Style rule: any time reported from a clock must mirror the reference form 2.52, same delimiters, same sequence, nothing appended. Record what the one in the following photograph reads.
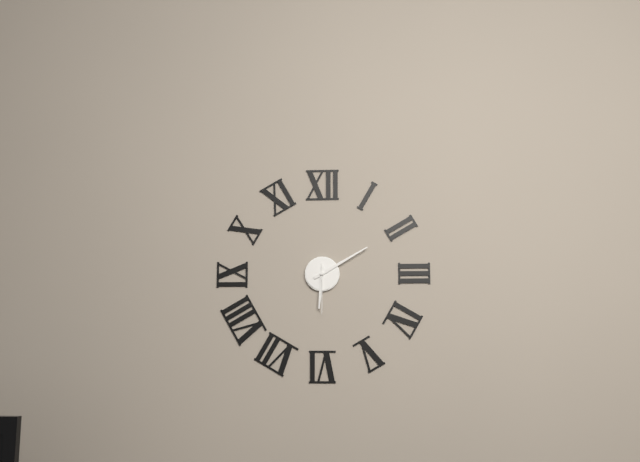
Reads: 6.10
